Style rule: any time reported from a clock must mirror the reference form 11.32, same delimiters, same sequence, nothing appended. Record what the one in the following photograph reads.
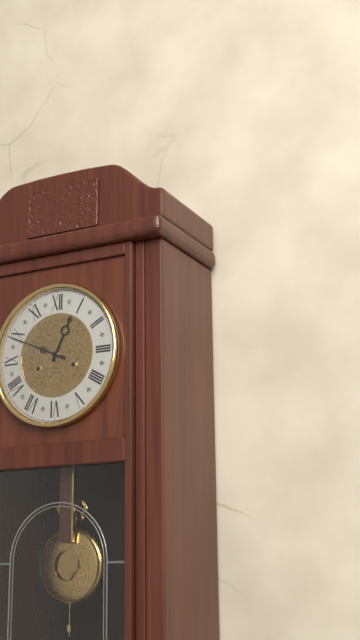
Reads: 12.49
